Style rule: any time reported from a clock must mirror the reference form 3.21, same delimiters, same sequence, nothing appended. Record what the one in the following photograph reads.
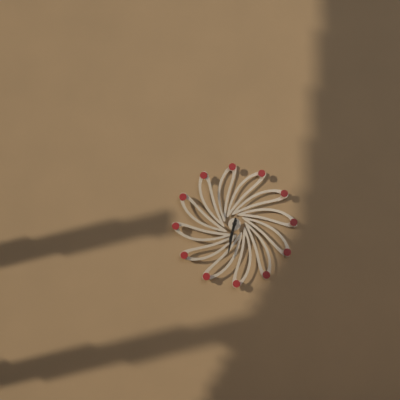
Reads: 6.32
